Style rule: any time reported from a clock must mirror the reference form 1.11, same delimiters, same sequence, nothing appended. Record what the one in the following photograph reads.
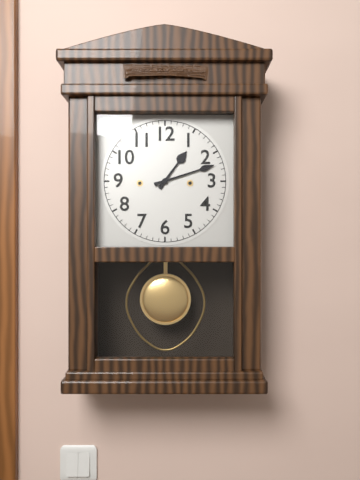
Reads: 1.12
